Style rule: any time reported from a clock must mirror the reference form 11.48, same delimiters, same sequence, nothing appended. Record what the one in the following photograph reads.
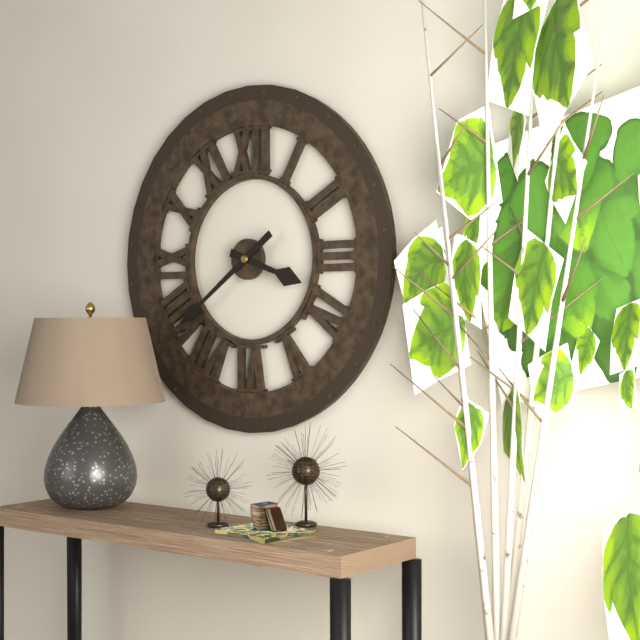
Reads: 3.39
